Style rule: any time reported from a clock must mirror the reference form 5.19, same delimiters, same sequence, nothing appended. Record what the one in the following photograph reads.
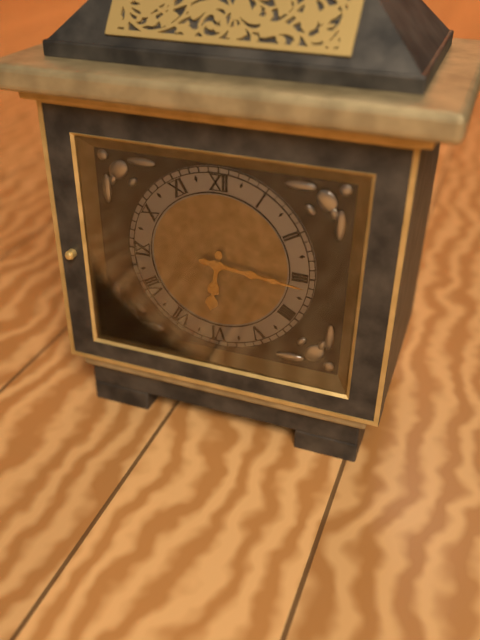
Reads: 6.16
